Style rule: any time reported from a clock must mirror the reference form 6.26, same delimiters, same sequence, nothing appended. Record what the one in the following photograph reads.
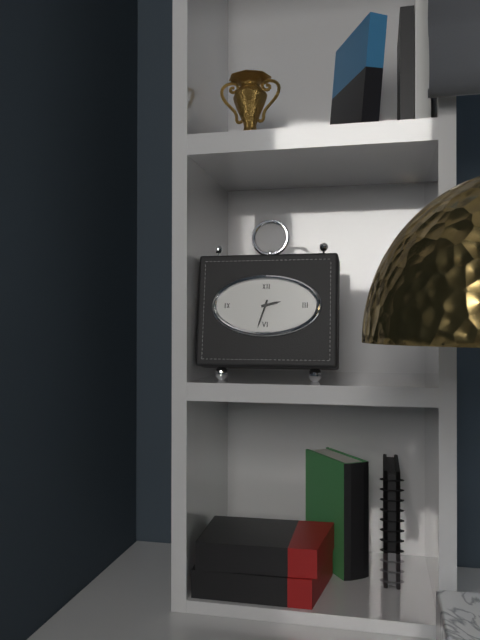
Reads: 2.33
